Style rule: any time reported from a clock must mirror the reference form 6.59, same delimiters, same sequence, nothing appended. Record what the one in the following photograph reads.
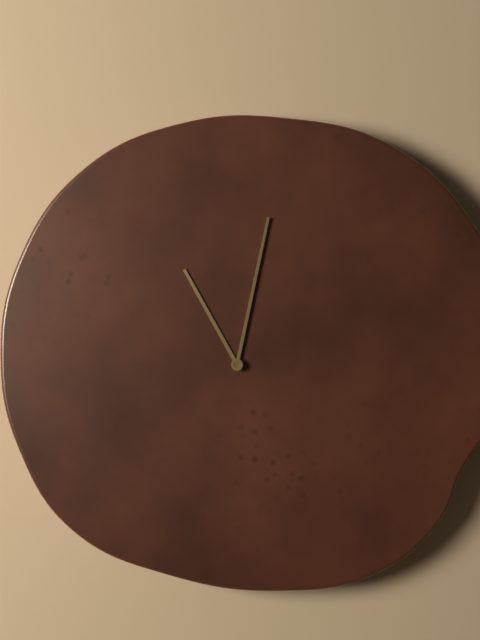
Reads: 11.02
